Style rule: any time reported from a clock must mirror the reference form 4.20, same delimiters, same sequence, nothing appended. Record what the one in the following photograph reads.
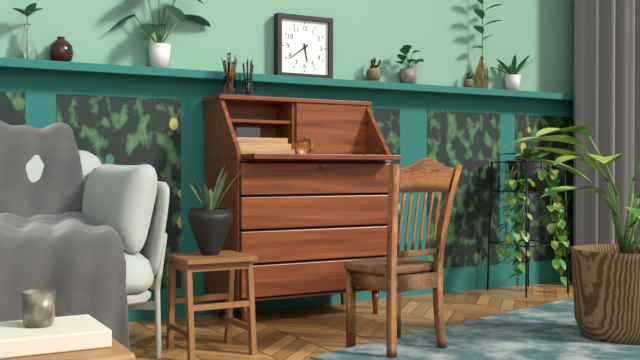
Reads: 5.39
